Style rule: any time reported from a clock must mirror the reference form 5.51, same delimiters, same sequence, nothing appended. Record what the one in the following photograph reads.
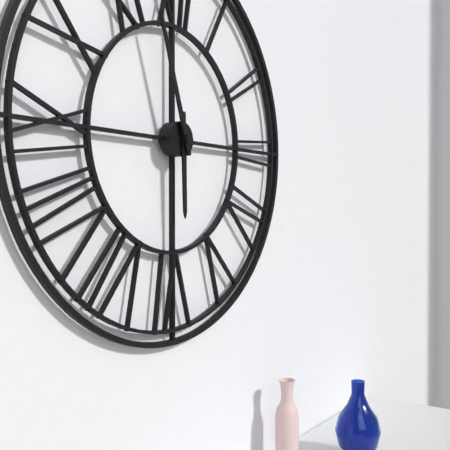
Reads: 5.57
